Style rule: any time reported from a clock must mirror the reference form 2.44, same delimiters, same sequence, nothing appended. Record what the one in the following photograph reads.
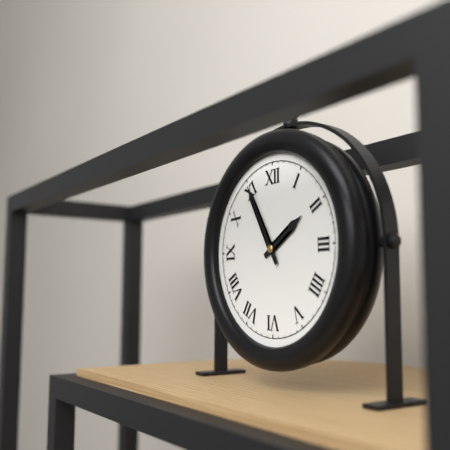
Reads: 1.55
